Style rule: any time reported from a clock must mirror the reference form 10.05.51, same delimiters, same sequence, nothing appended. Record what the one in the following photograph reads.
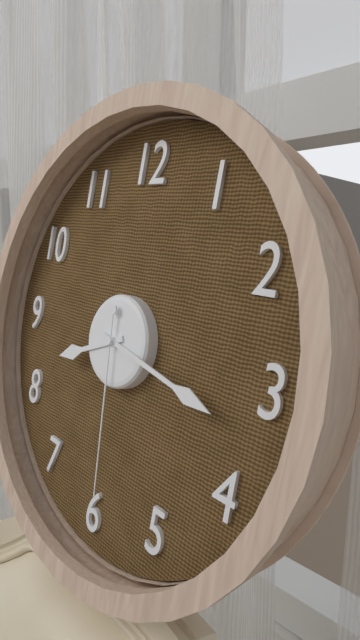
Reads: 8.17.29
